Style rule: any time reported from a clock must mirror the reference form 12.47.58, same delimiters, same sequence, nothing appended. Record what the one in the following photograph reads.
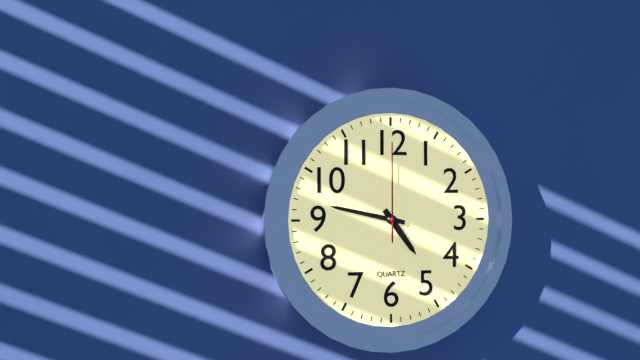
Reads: 4.47.00
